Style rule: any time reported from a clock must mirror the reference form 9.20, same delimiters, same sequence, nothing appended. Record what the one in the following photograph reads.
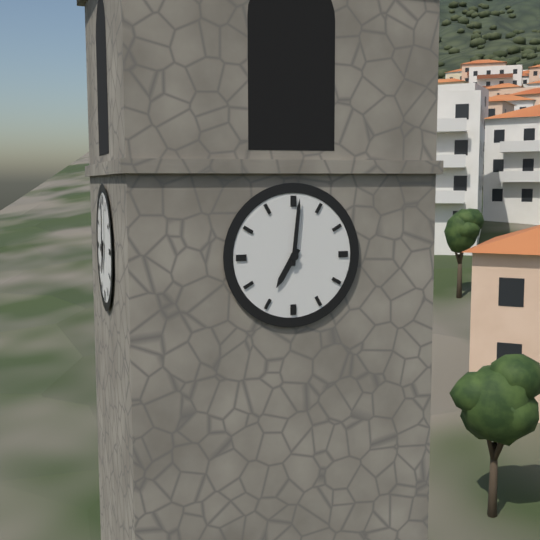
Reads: 7.01
